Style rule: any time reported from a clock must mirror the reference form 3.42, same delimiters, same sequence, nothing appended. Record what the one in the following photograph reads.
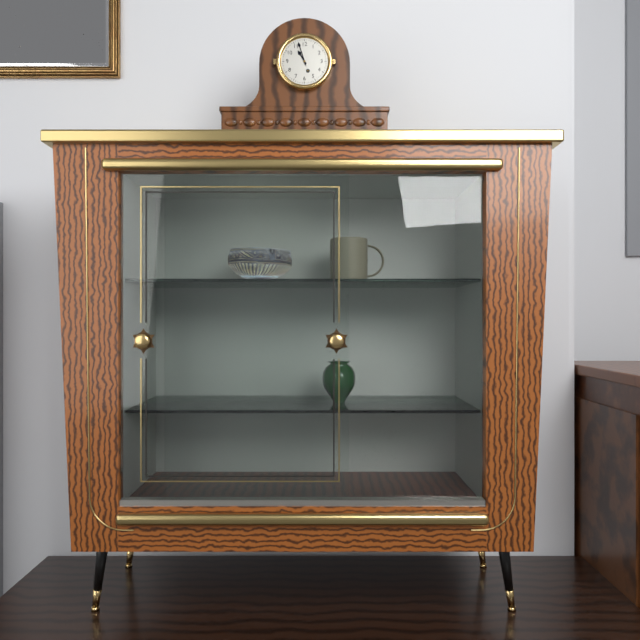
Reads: 10.57
